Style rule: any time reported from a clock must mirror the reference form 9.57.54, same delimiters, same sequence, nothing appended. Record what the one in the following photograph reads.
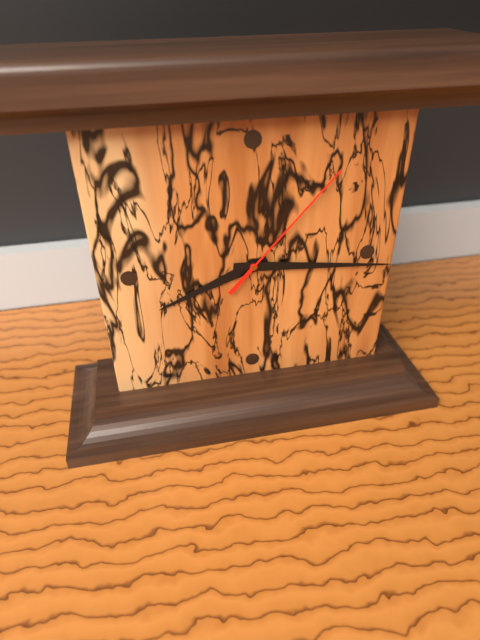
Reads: 8.16.07
